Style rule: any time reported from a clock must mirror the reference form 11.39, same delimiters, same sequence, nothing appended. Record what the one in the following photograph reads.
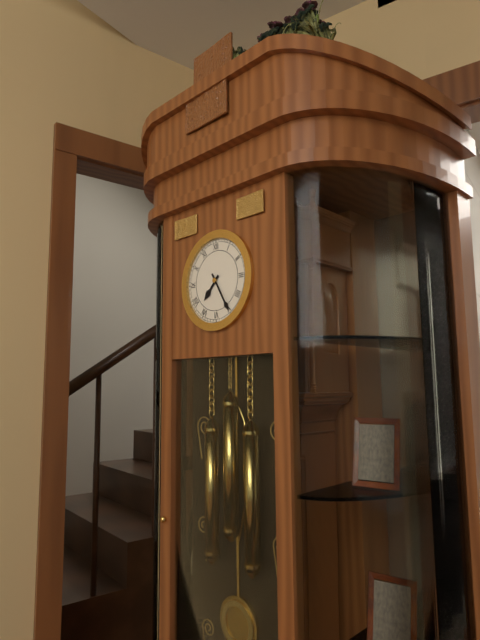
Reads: 7.25
